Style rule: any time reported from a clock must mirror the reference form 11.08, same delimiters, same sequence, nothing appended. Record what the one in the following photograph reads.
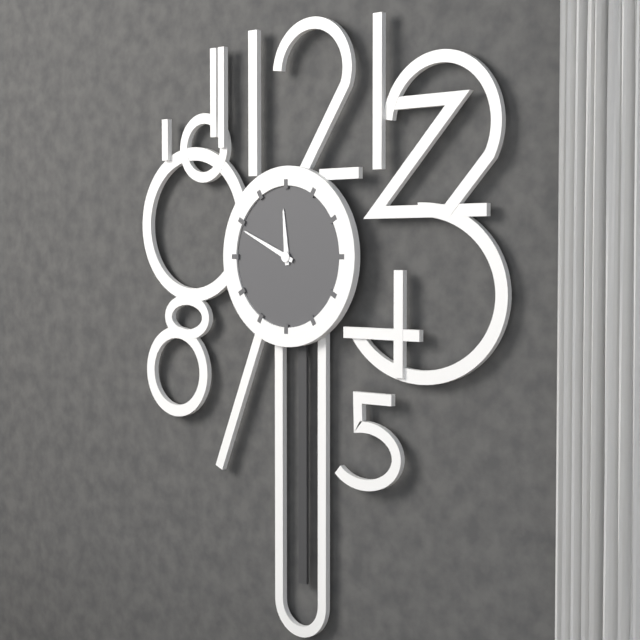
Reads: 11.49
